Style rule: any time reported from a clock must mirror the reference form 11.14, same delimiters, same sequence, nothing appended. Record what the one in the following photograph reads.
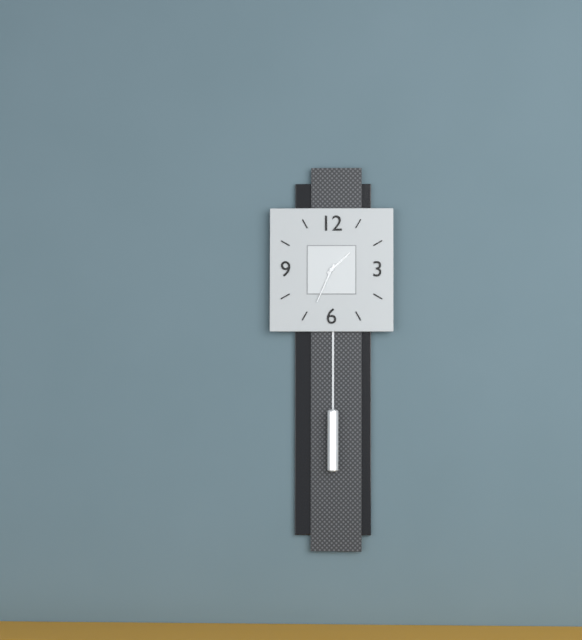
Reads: 1.34
